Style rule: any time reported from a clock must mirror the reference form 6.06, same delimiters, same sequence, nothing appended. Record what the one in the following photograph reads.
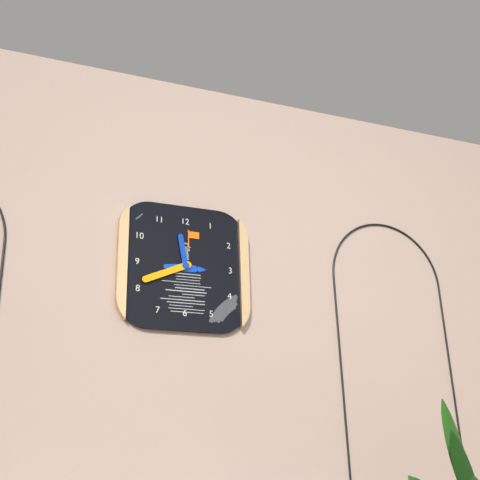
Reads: 11.41
